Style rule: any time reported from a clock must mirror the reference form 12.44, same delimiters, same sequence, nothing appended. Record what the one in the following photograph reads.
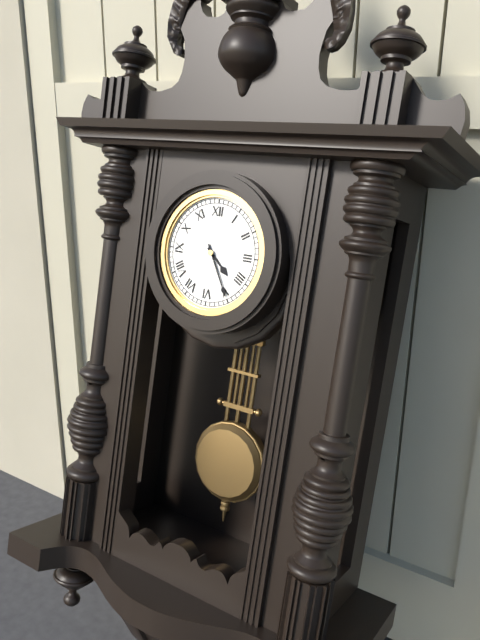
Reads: 4.25
